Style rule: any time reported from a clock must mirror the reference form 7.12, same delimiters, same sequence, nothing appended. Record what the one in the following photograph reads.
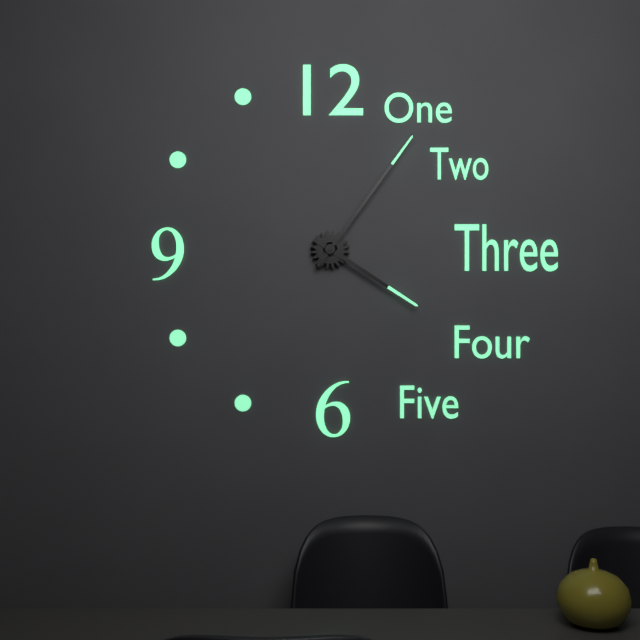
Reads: 4.06
